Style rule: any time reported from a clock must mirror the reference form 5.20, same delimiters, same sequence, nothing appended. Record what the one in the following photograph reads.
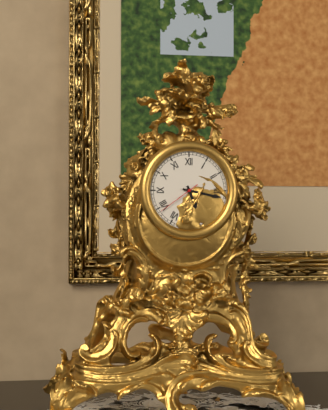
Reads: 5.17
